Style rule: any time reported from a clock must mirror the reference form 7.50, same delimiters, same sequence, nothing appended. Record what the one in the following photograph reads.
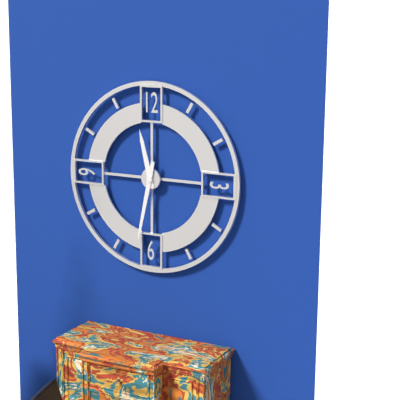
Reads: 11.32
